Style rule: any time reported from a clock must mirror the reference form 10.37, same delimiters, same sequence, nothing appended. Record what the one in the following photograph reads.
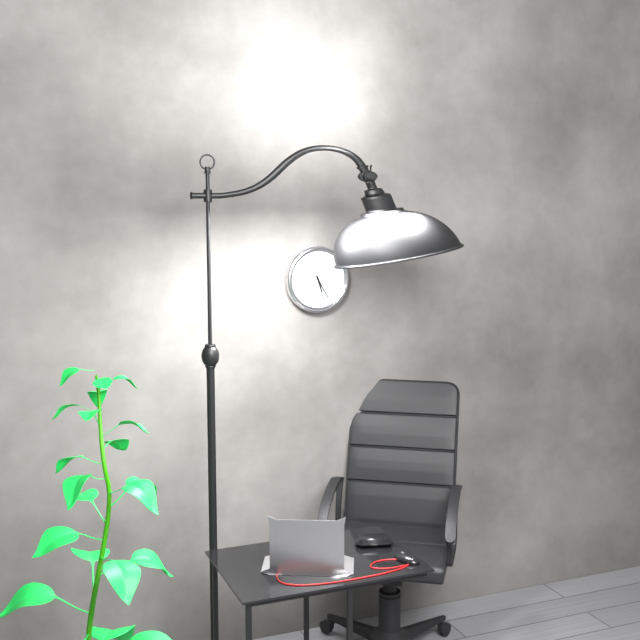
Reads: 5.25
